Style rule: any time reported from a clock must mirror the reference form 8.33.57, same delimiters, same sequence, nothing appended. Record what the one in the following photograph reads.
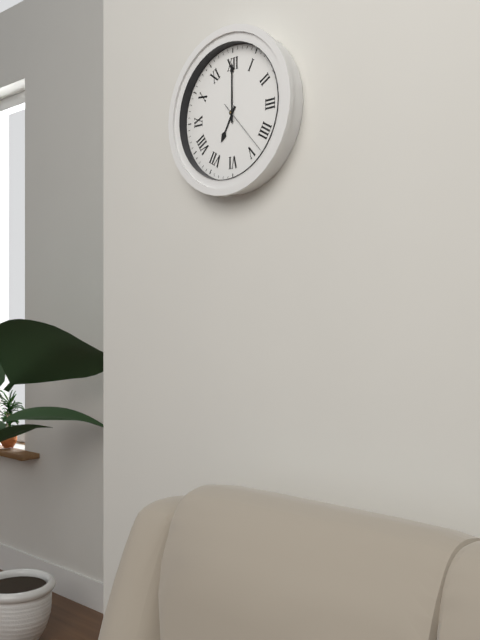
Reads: 7.00.23
